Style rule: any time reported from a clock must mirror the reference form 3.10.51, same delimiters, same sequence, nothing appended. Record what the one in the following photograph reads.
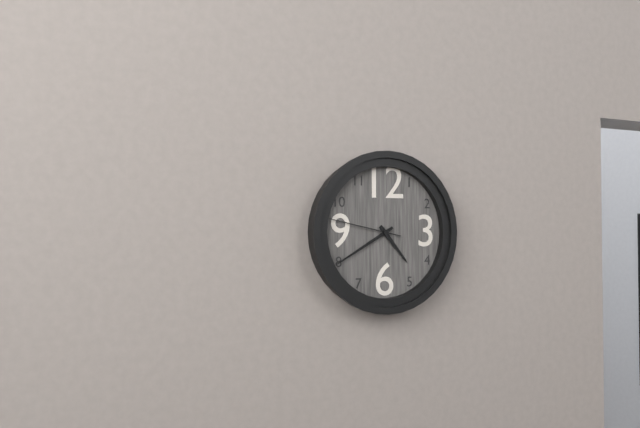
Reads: 4.40.47
